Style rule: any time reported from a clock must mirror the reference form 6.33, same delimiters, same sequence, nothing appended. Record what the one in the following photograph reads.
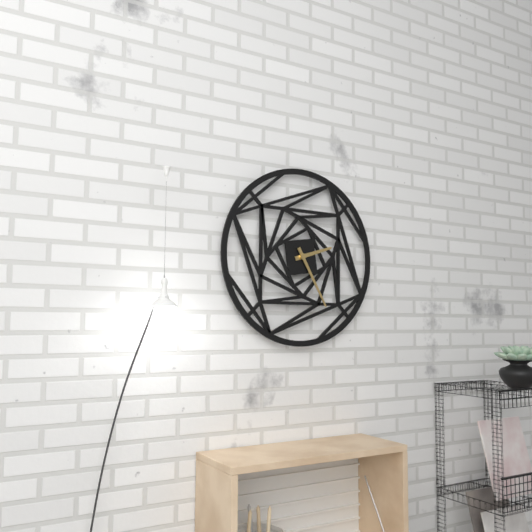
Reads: 2.25
